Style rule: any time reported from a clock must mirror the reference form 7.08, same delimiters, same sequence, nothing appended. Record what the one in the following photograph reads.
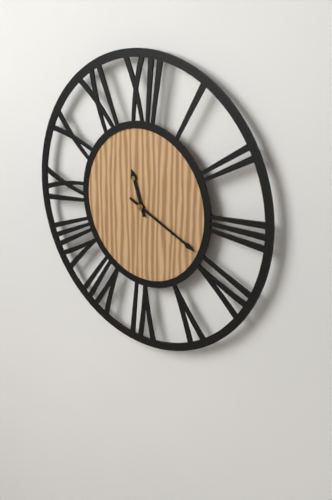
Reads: 11.19
